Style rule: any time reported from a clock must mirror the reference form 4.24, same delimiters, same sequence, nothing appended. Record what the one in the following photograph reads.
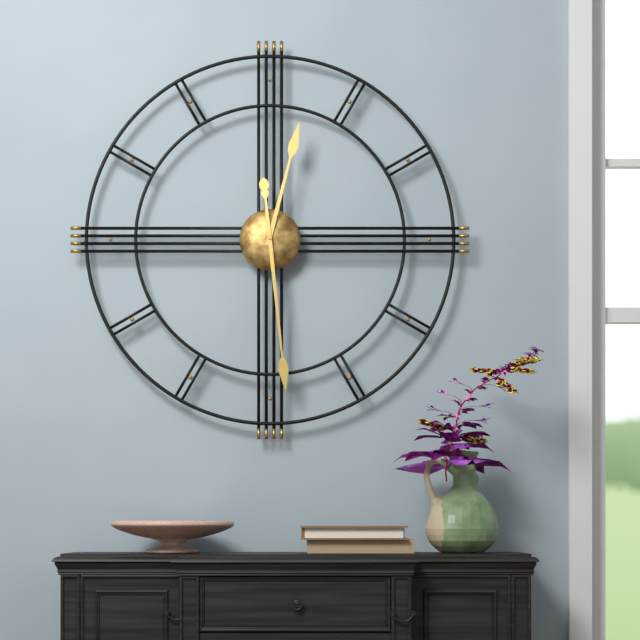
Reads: 12.29
